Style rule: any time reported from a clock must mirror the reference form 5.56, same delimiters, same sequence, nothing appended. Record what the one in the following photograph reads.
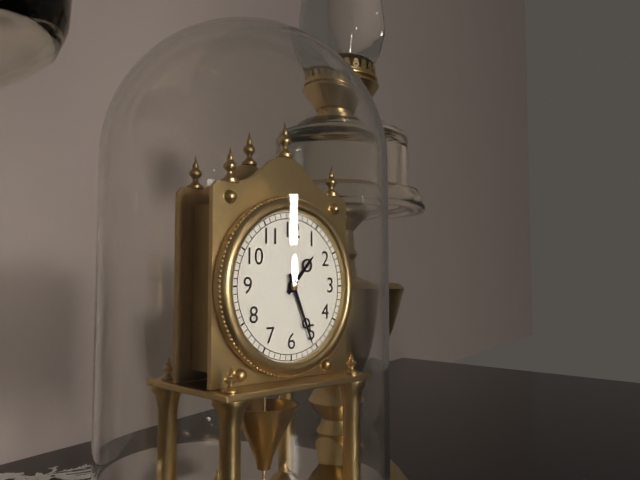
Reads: 1.26
